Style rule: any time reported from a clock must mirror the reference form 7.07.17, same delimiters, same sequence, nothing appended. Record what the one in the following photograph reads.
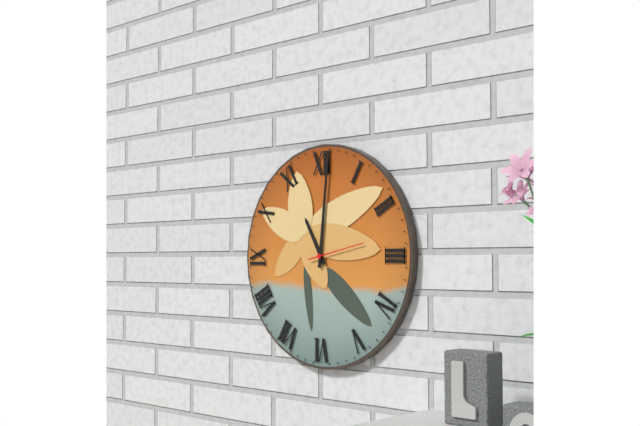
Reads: 11.01.13
